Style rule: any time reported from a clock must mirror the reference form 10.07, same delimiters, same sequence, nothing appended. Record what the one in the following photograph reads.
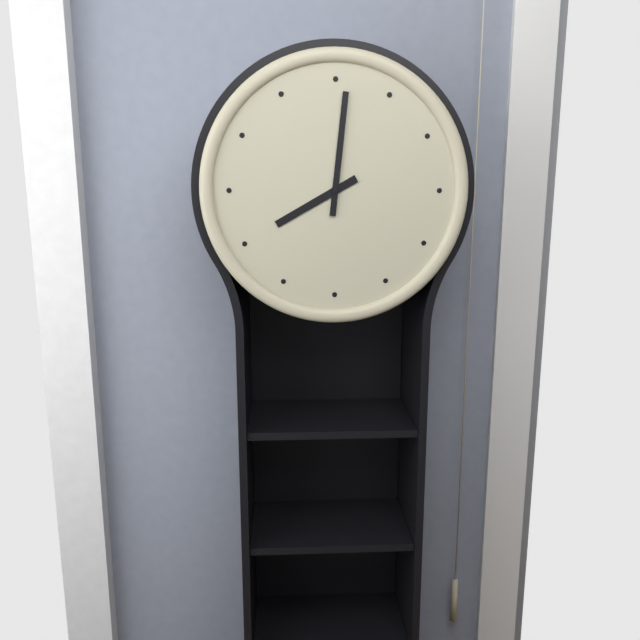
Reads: 8.01
